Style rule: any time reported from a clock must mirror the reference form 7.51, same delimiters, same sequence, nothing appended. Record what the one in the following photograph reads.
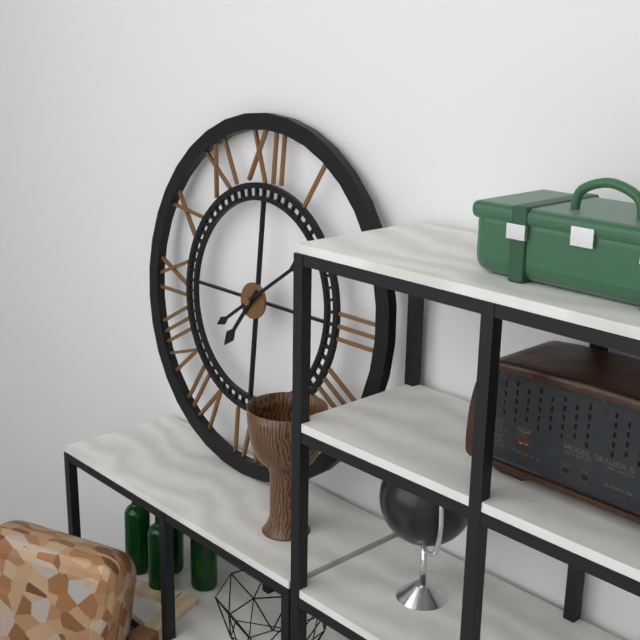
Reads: 7.09
